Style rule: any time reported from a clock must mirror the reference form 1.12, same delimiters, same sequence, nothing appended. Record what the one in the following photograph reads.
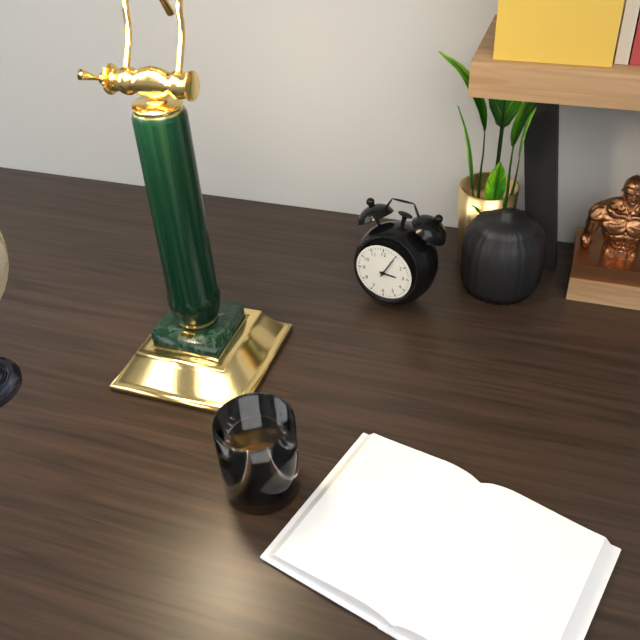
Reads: 3.05
